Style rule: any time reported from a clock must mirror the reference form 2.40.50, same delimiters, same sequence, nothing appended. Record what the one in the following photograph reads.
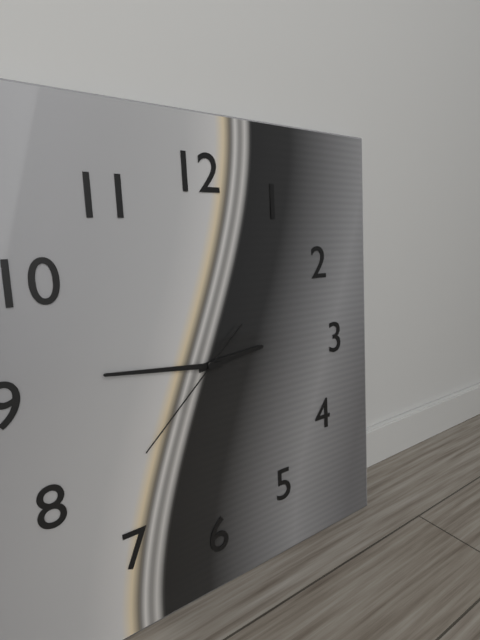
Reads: 2.46.38
